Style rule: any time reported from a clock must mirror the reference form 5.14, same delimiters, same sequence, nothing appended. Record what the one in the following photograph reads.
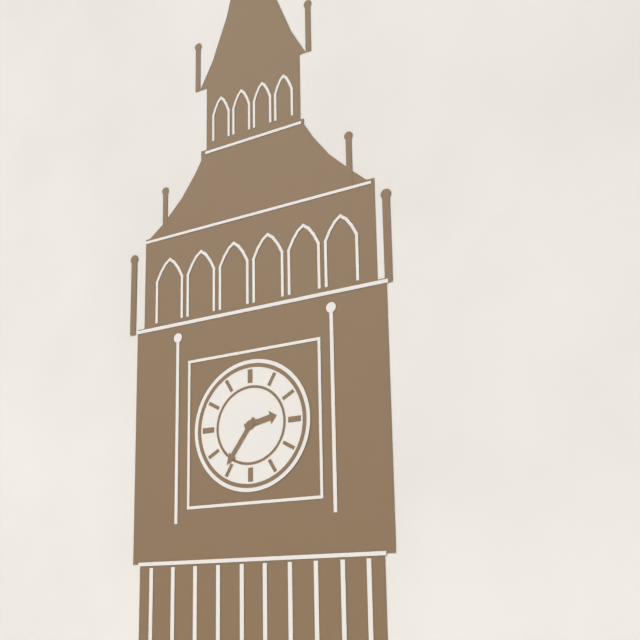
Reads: 2.36
